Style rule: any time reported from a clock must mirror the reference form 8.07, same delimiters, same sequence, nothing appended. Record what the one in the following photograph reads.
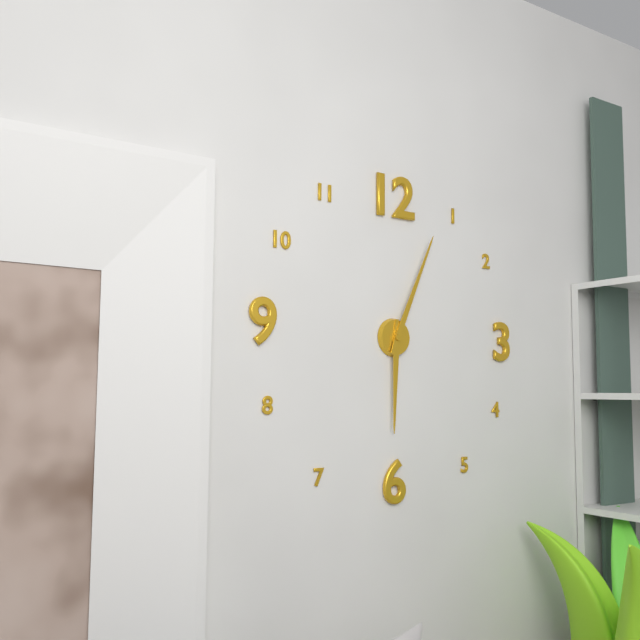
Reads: 6.04
